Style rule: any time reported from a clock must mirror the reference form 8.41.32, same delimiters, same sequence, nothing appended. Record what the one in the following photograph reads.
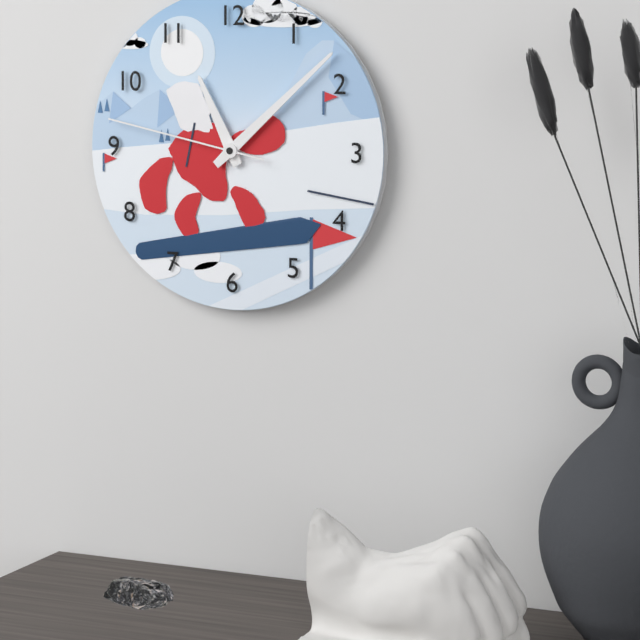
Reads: 11.08.47
